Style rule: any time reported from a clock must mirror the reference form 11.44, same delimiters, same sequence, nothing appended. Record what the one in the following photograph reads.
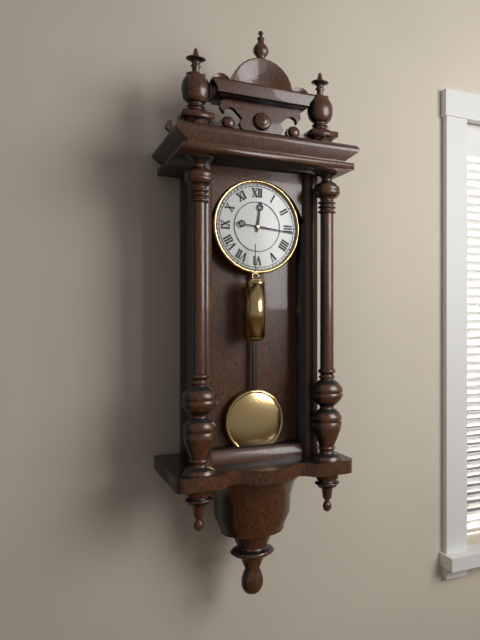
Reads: 12.16
